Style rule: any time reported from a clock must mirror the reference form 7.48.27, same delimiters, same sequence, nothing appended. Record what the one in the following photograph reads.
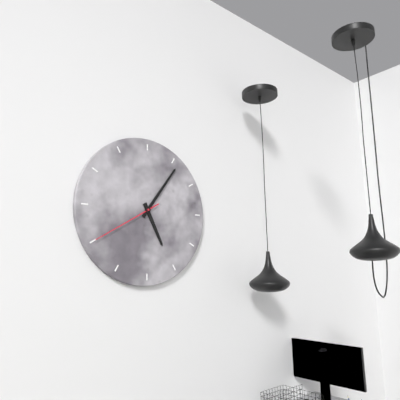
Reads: 5.06.40
